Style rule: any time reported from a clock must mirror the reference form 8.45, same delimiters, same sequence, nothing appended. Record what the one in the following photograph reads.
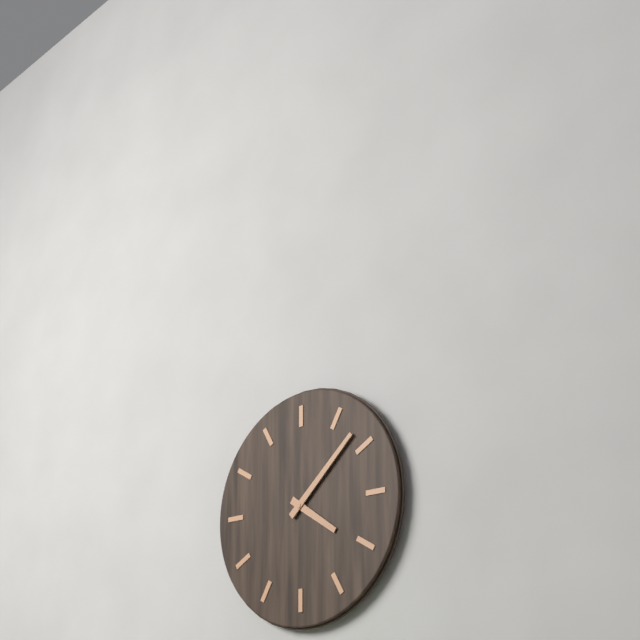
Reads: 4.08
